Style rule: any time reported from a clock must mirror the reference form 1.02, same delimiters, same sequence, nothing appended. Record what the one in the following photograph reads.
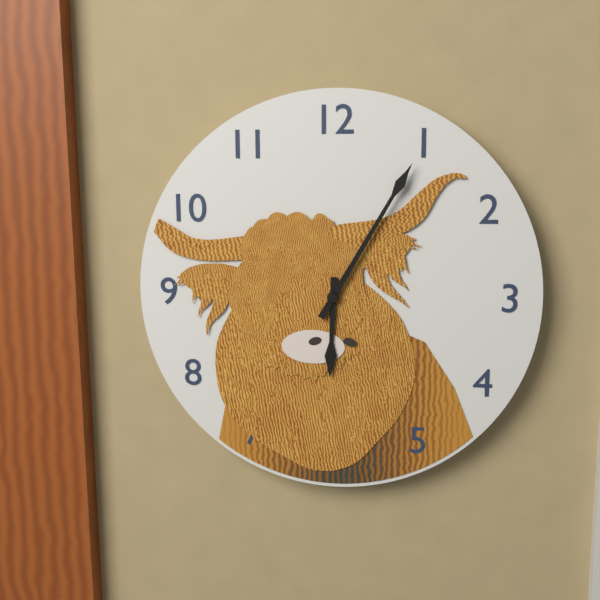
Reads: 6.05
